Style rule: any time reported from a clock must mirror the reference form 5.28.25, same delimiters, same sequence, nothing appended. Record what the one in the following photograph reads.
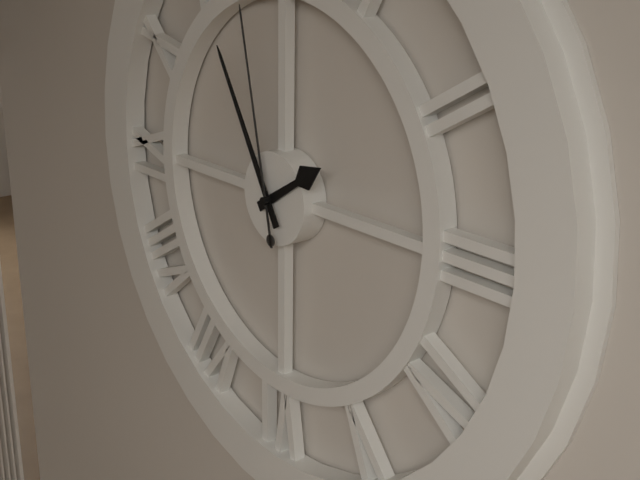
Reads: 1.55.58
